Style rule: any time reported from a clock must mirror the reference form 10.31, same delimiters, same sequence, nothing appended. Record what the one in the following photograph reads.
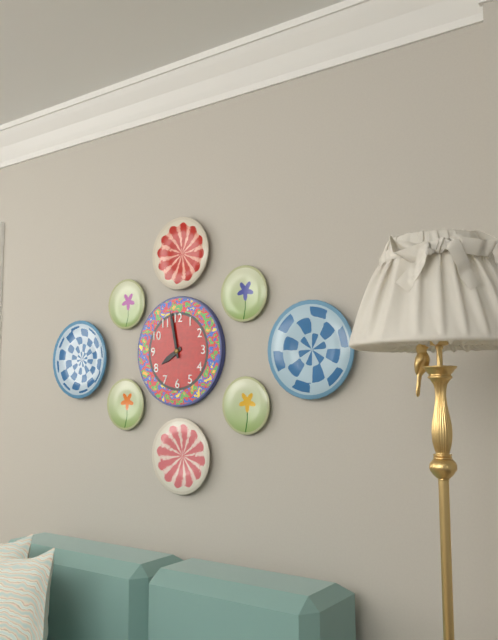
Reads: 7.58
